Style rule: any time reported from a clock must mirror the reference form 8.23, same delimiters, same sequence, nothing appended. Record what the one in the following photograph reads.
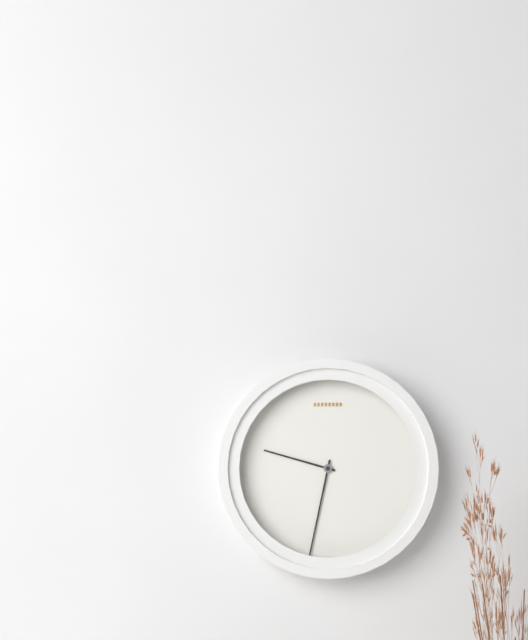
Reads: 9.32
